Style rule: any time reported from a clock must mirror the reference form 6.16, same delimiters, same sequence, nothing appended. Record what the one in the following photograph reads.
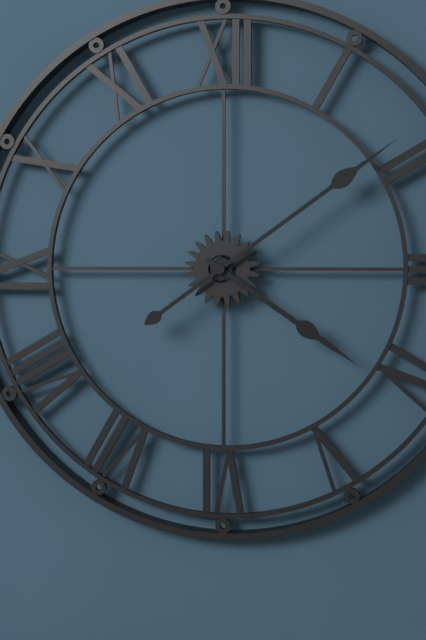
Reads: 4.09
